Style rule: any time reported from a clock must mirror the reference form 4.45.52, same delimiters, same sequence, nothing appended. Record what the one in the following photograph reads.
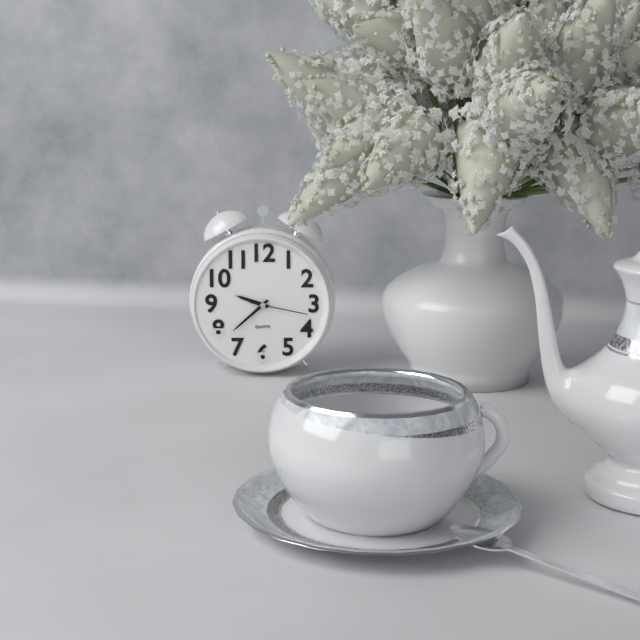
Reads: 9.38.17
